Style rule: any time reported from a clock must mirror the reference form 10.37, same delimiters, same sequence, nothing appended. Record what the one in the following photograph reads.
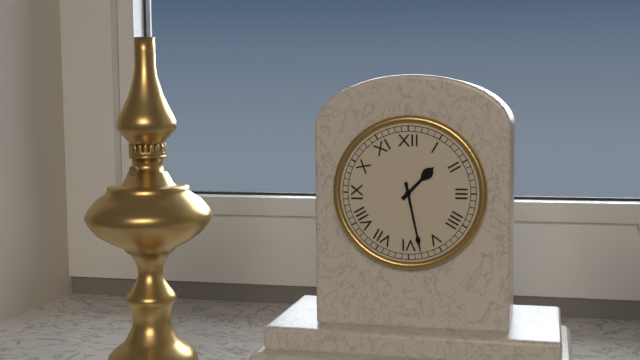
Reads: 1.28
